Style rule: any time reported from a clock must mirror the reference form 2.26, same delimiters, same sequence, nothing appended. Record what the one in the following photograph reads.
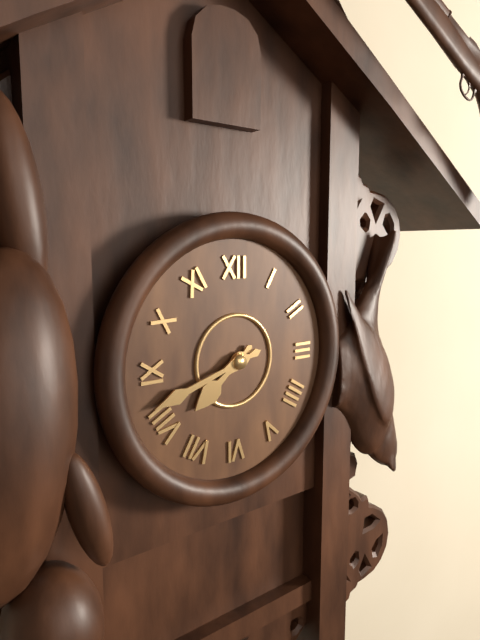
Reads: 7.42
